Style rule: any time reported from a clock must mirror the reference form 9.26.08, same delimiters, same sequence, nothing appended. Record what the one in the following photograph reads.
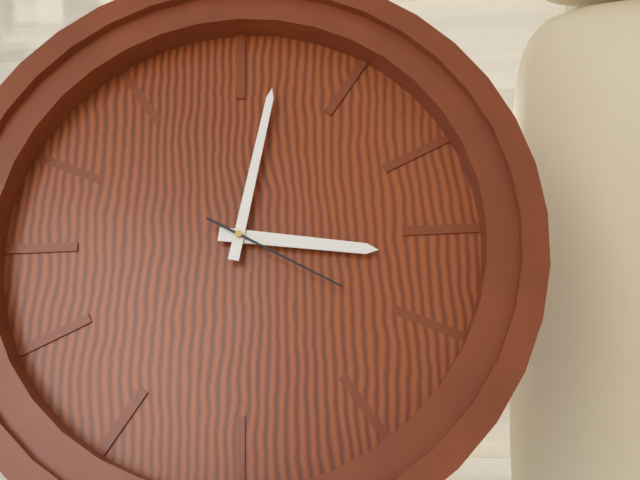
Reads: 6.17.35
